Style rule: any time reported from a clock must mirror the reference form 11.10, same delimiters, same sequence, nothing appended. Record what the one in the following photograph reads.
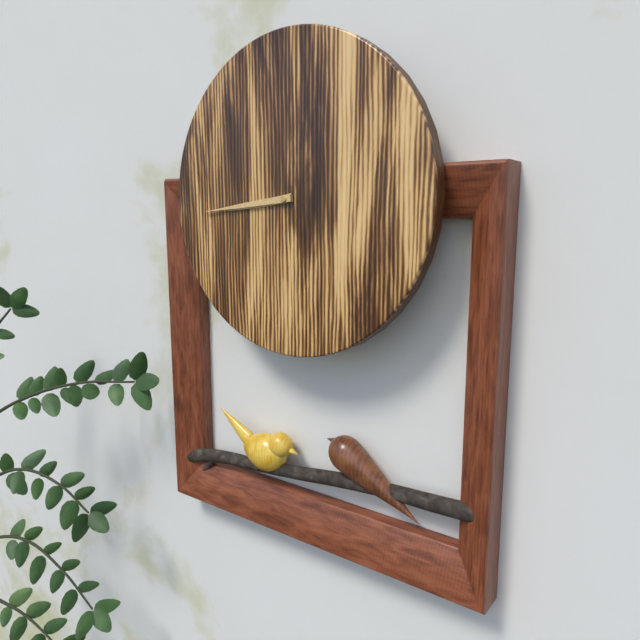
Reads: 8.44
